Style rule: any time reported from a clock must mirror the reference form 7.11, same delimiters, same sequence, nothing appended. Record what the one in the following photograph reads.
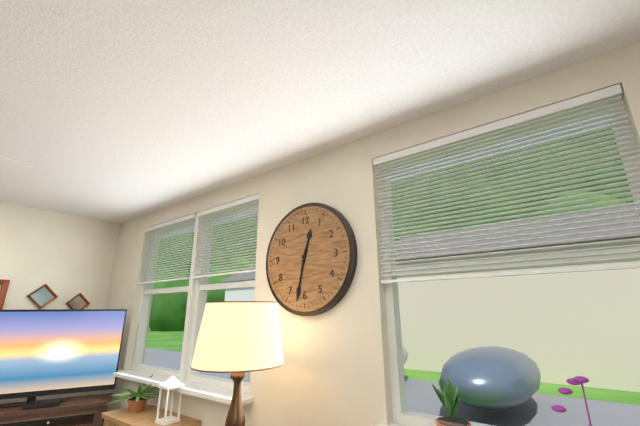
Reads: 12.32
